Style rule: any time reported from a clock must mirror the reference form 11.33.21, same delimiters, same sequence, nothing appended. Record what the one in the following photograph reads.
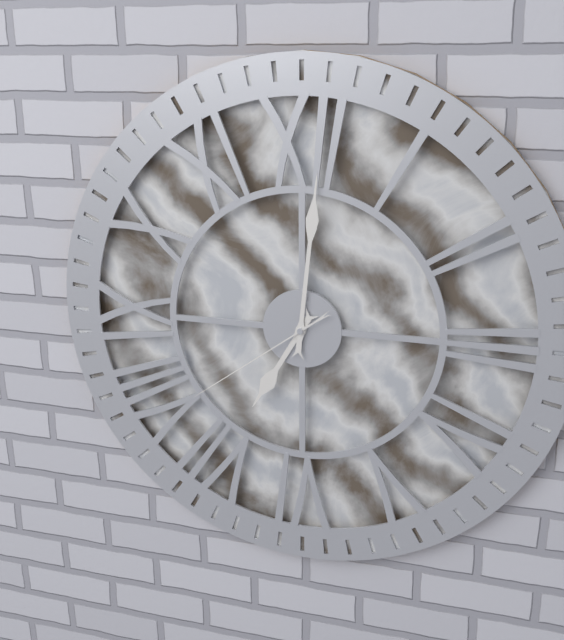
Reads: 7.01.39
